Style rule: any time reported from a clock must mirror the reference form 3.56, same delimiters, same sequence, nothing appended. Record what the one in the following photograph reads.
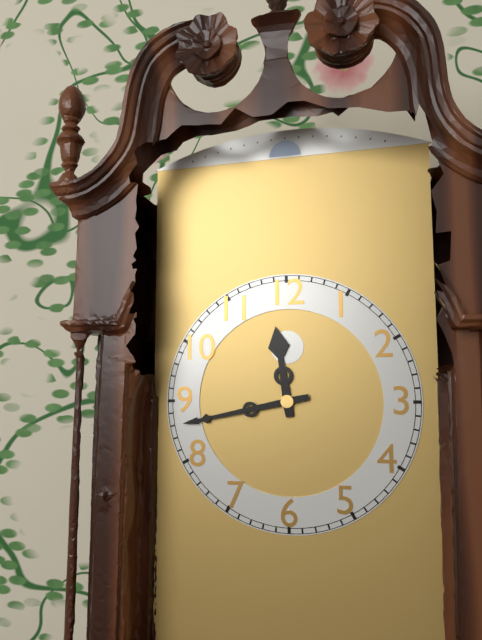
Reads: 11.43
